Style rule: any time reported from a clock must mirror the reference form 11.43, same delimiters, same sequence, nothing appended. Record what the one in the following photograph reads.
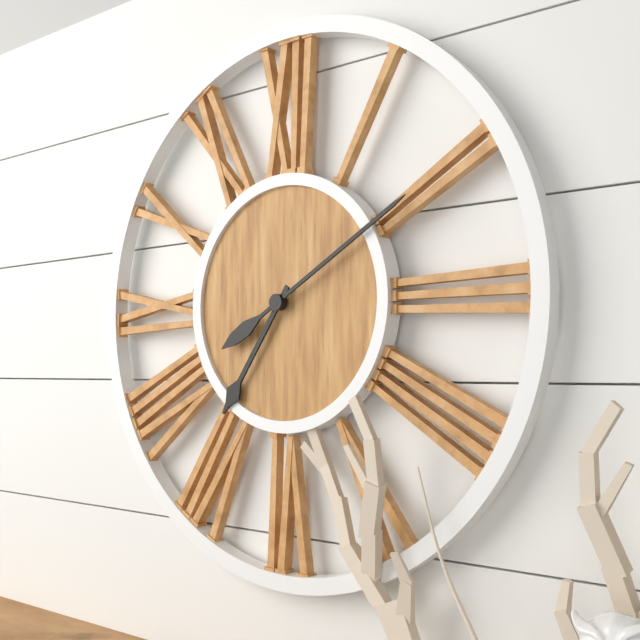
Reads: 7.10
